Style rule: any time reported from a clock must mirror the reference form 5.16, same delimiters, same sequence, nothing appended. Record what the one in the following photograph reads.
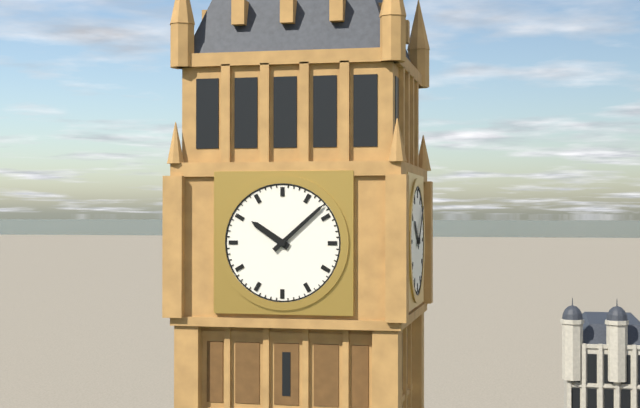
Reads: 10.08
